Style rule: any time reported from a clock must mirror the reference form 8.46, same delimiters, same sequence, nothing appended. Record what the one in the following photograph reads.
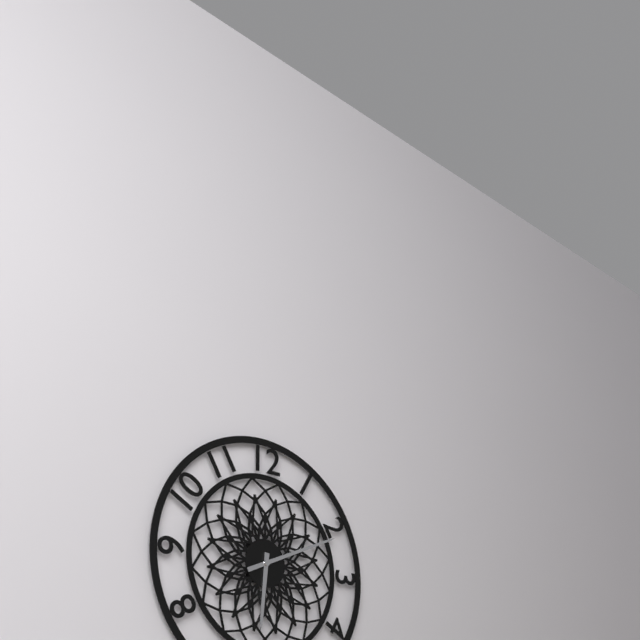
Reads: 6.11
